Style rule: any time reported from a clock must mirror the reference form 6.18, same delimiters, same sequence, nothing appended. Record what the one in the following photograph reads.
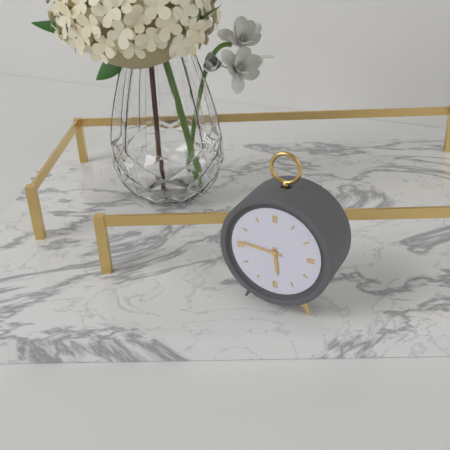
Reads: 5.46
